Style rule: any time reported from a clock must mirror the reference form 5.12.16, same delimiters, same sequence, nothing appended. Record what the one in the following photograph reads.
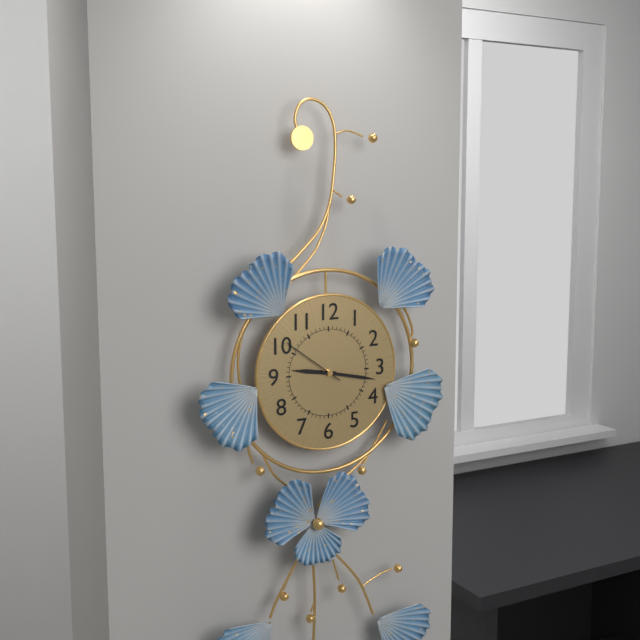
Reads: 9.17.51
